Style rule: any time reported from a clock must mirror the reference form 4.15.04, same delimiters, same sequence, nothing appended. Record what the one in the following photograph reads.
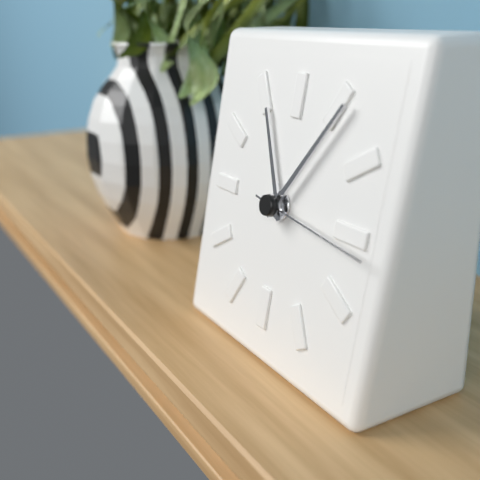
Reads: 11.06.16
